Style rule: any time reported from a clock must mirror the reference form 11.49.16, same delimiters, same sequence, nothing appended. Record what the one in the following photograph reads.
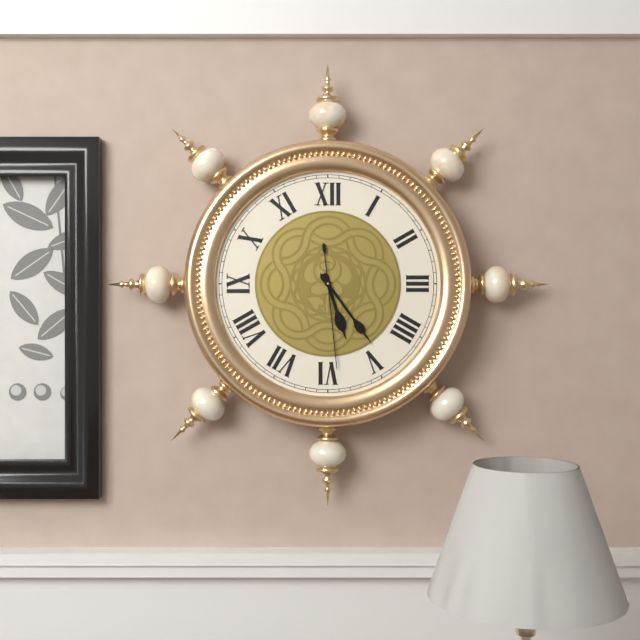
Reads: 5.24.29
